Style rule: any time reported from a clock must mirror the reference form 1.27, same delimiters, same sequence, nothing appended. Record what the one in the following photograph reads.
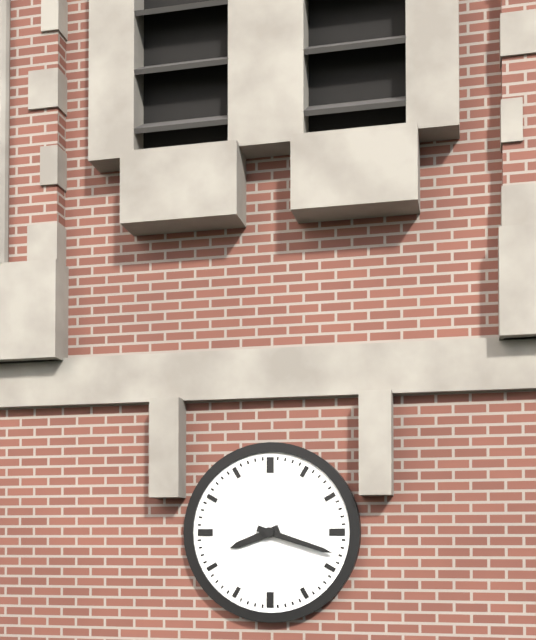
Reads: 8.18
